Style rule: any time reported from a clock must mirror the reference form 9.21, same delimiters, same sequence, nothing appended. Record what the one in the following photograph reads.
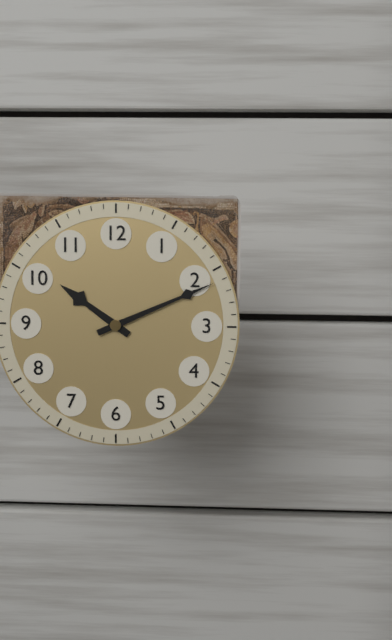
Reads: 10.11
